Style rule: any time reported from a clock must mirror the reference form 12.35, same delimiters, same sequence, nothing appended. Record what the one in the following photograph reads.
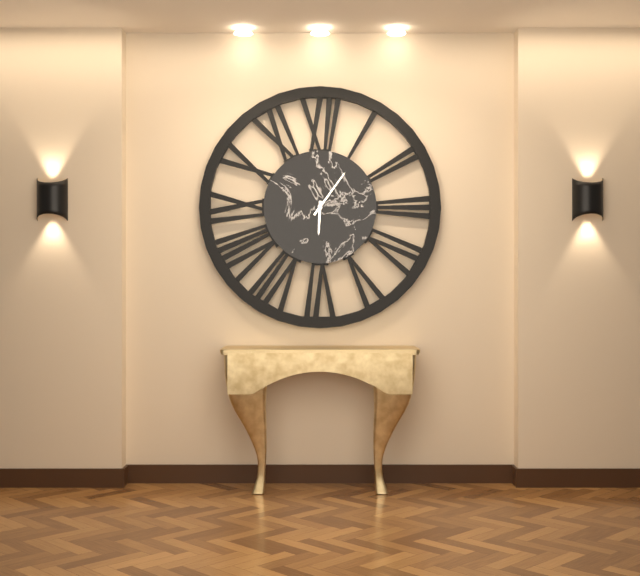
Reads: 6.06
